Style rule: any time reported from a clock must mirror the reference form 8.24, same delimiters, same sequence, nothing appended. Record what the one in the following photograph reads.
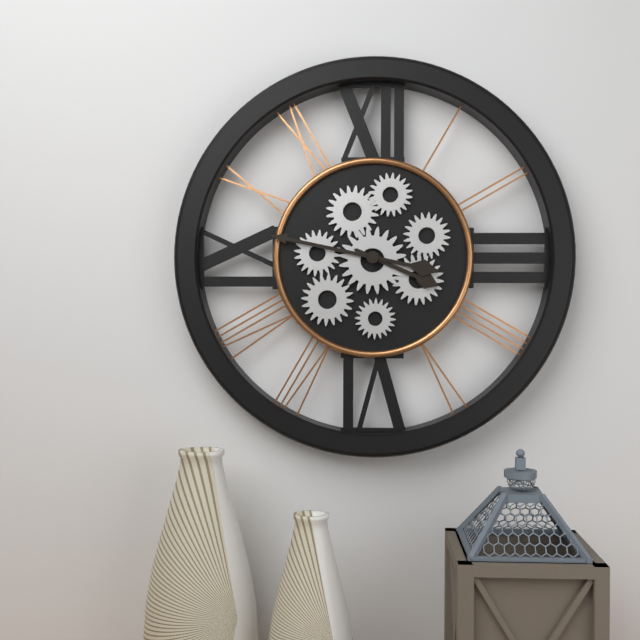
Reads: 3.47
